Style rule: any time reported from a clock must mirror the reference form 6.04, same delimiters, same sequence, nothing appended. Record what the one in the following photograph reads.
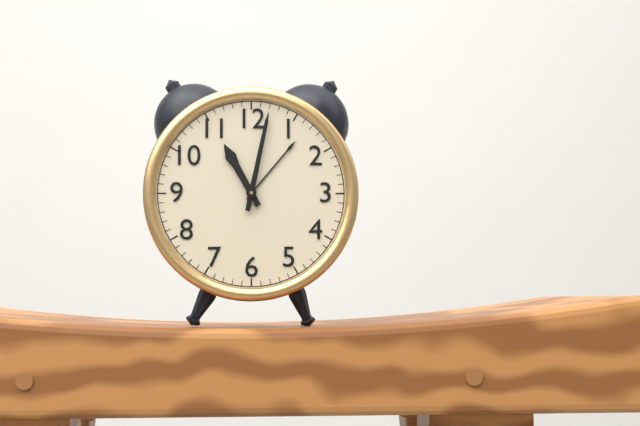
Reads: 11.02
